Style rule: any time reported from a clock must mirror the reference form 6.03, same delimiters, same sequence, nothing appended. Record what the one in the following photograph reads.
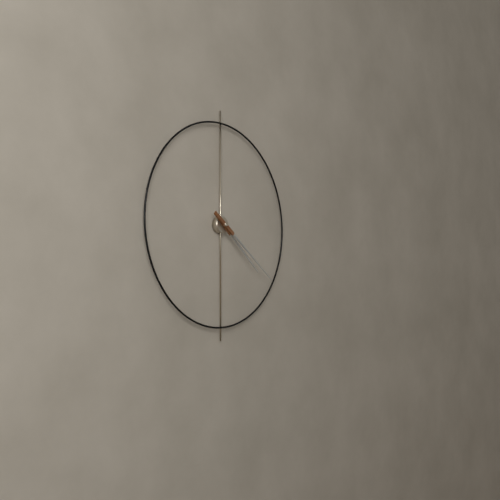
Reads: 4.21
